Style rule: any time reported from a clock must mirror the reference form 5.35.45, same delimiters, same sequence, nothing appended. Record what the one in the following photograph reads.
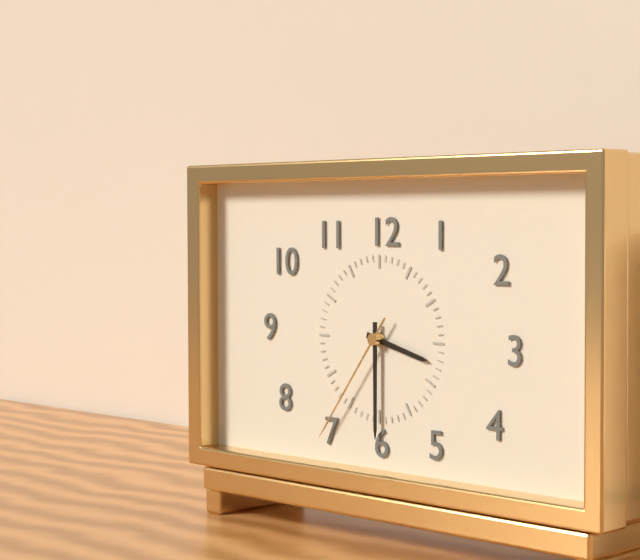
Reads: 3.30.36
